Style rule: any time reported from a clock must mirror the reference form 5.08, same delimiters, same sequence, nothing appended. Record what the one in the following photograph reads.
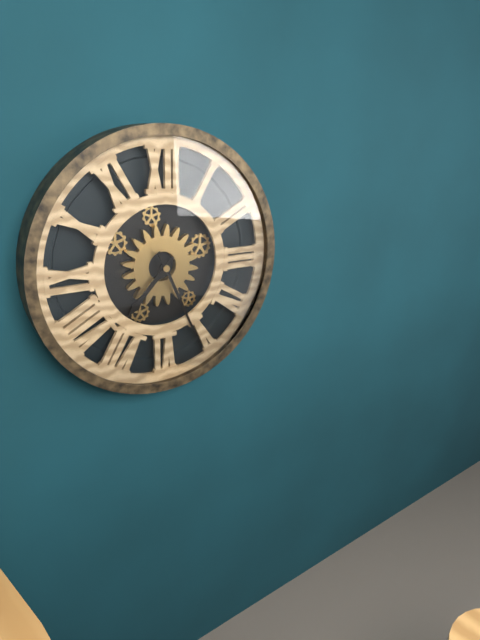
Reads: 7.26
